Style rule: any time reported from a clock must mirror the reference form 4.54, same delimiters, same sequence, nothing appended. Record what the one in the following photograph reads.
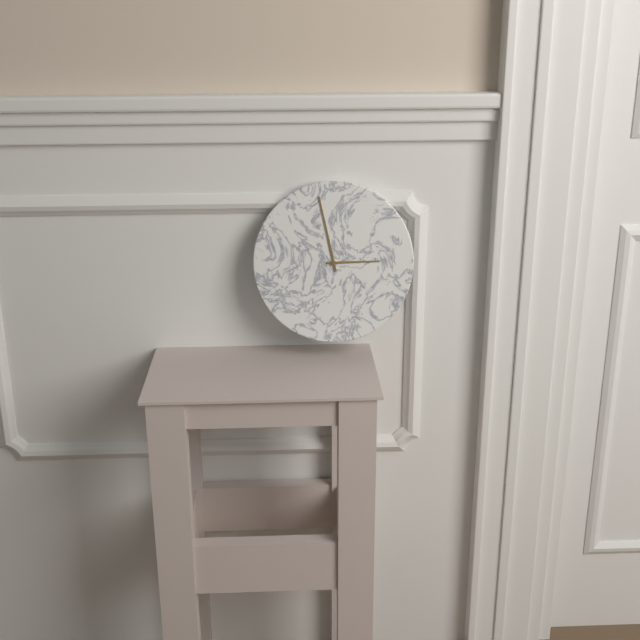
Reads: 2.58
